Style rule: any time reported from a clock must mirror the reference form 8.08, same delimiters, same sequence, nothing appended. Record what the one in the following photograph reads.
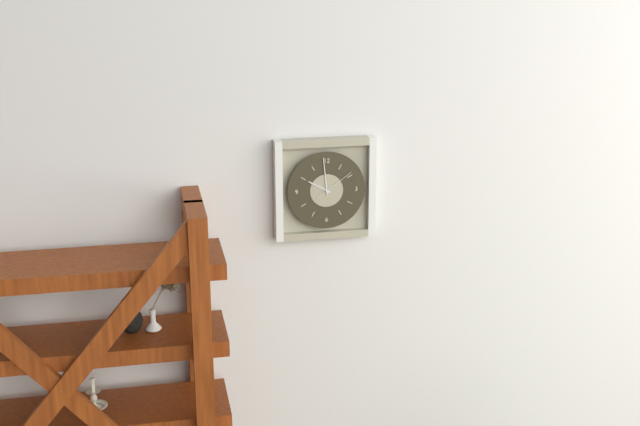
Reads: 9.59
